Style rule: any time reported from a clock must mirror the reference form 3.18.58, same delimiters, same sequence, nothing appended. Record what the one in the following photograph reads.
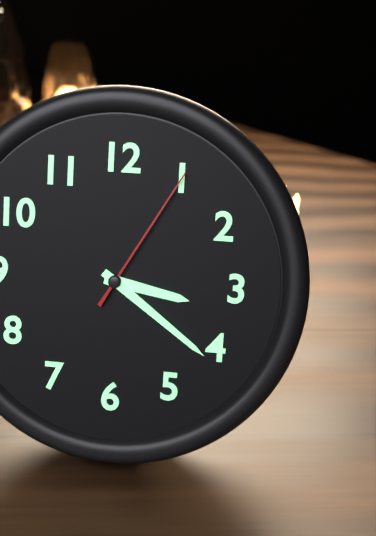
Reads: 3.21.05
